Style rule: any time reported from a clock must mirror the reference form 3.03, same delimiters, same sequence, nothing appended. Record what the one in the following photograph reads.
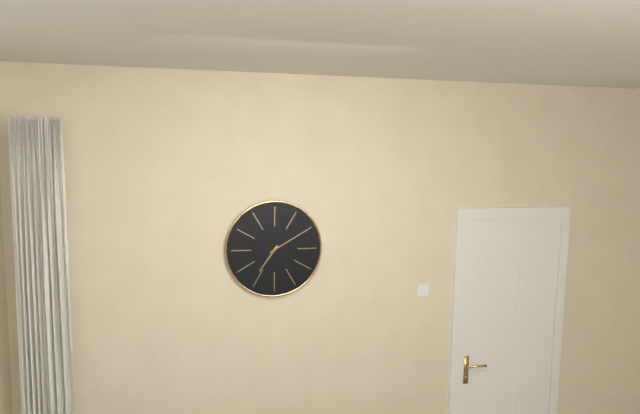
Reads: 7.10
